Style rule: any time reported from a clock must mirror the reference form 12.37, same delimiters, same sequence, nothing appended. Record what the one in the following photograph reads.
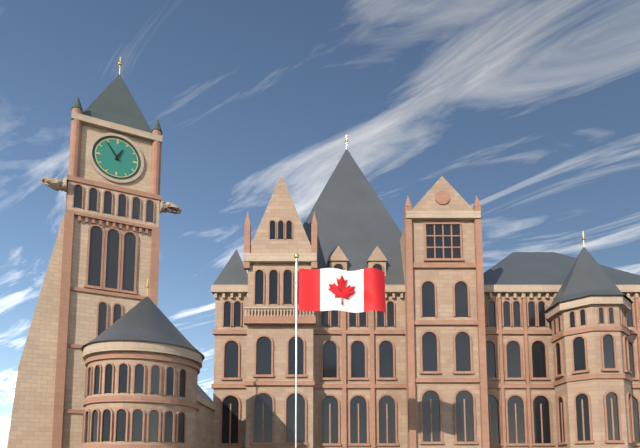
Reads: 12.54
